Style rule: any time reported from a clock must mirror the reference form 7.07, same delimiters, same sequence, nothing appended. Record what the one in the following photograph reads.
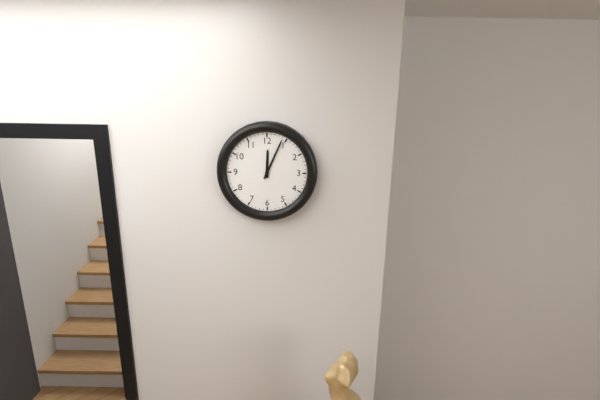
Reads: 12.04
